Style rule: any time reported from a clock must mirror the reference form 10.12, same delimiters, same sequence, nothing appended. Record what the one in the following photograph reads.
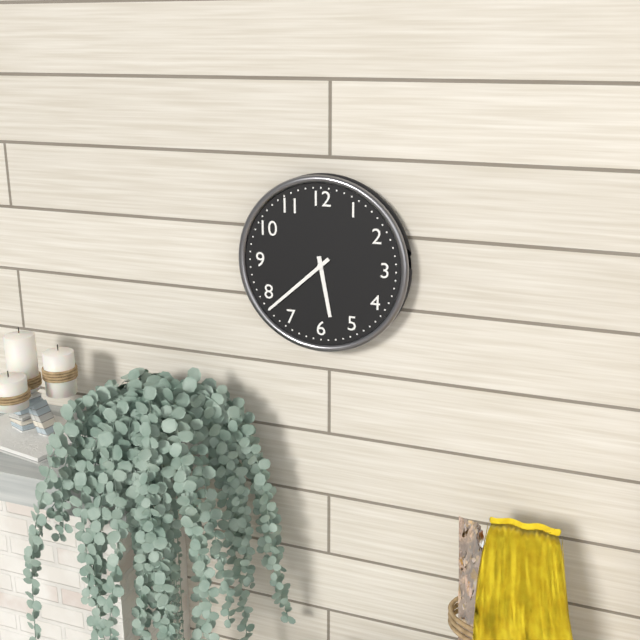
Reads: 5.38
